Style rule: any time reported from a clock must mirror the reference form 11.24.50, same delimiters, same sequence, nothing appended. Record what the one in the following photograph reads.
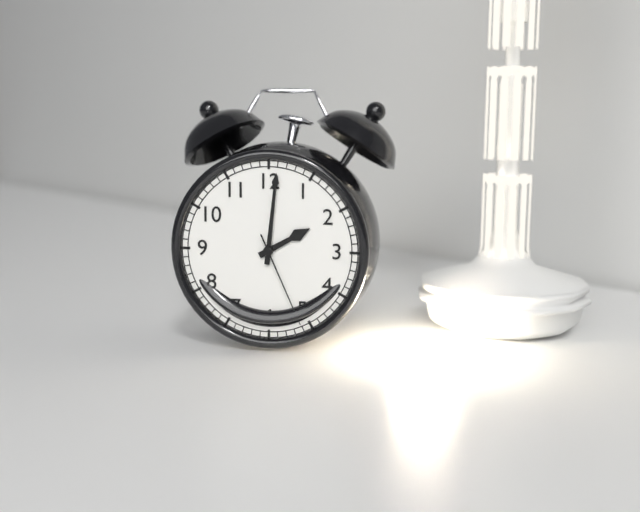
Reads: 2.01.26
